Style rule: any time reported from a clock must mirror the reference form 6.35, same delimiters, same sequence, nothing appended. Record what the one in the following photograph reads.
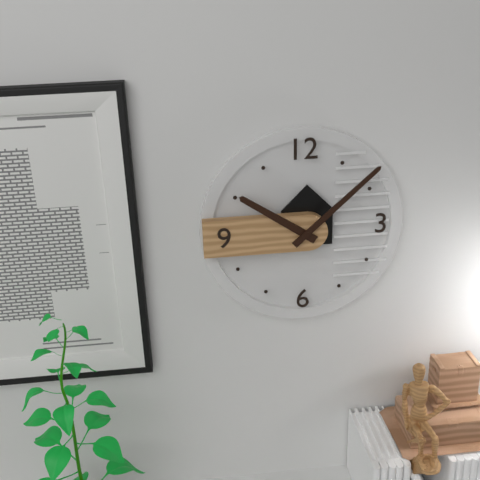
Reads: 10.08
